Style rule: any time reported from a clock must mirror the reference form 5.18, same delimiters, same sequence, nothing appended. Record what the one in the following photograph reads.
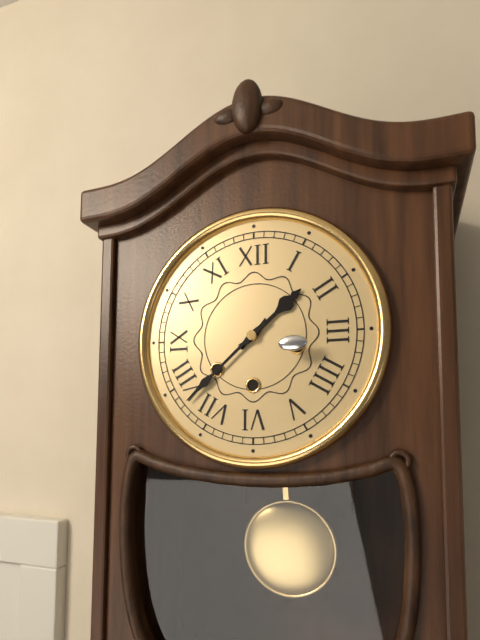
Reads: 1.38
